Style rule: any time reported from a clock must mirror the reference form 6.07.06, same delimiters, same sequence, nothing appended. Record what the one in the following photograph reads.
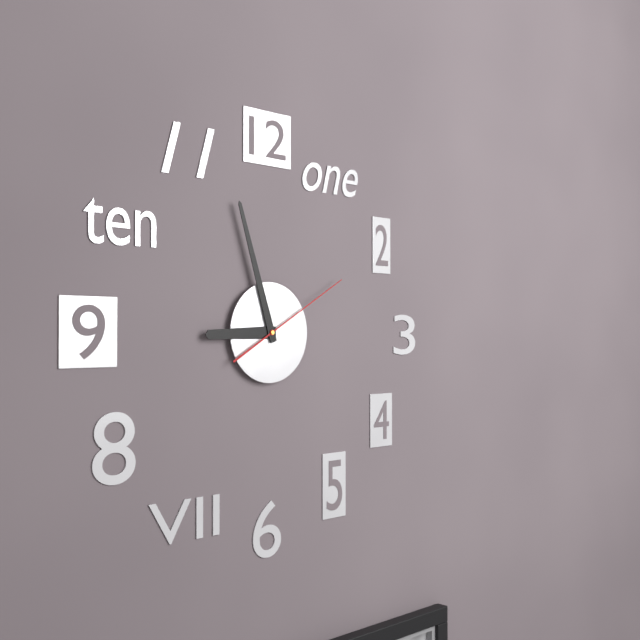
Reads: 8.57.10
